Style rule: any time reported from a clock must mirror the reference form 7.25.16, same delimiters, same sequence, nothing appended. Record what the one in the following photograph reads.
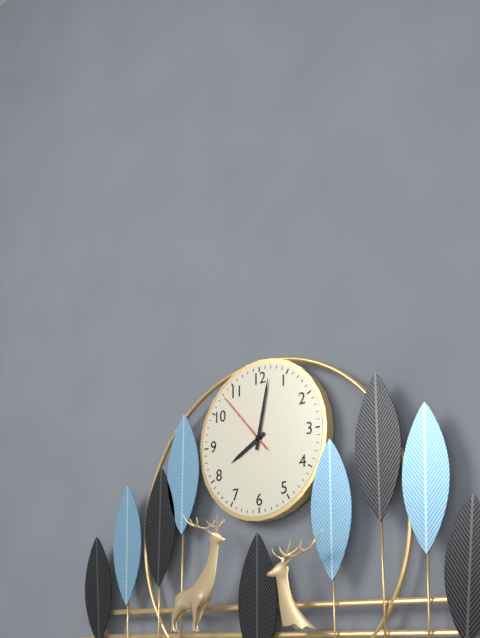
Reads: 8.02.53
